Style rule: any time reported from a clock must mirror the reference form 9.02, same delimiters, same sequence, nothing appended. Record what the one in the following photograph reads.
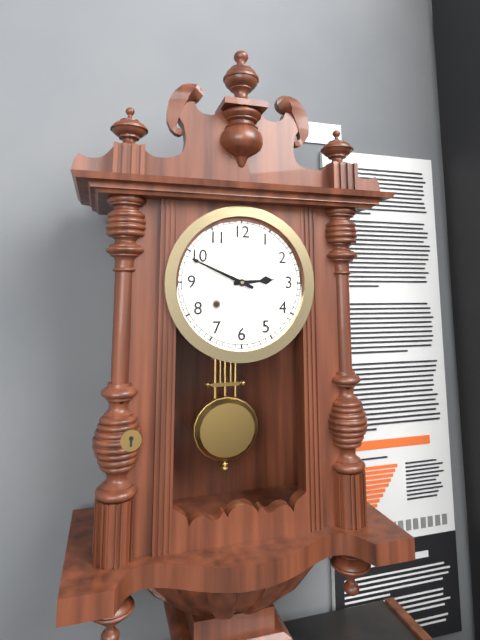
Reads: 2.49
